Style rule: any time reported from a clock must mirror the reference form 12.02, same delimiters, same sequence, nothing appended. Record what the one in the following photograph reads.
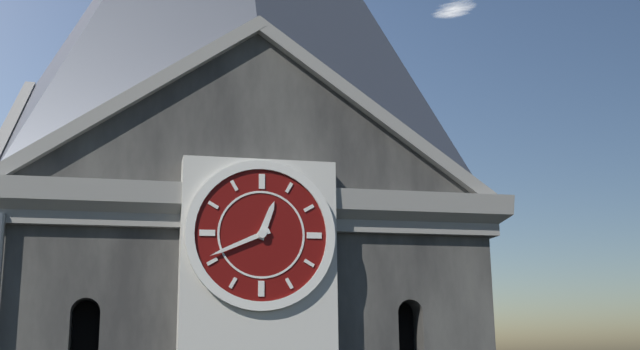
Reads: 12.41
